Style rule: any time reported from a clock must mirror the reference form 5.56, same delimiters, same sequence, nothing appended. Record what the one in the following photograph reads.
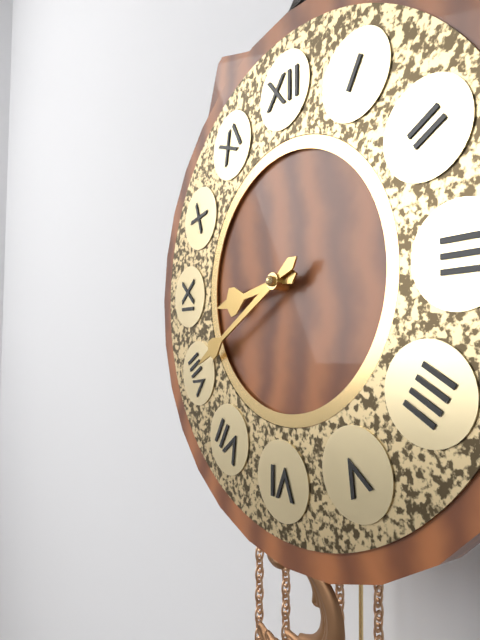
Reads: 8.40
